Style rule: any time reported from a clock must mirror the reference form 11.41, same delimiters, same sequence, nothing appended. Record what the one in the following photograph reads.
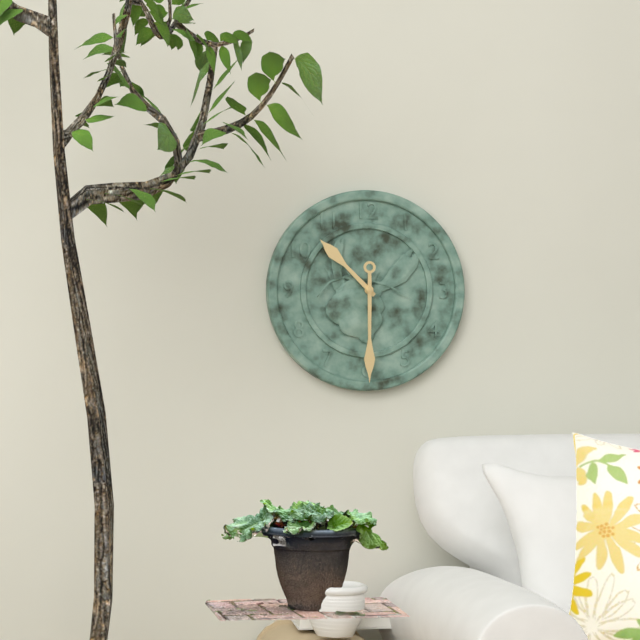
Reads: 10.30
